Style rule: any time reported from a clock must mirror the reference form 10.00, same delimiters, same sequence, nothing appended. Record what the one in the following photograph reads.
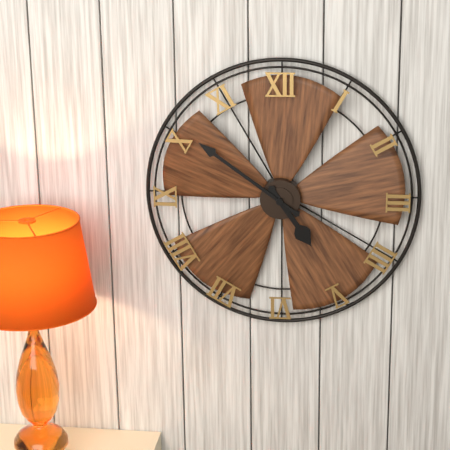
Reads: 4.51
